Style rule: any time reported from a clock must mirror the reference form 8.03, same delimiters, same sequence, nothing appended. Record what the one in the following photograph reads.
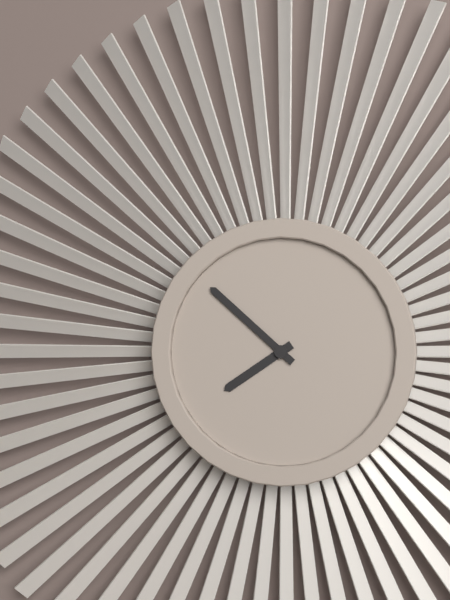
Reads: 7.52
